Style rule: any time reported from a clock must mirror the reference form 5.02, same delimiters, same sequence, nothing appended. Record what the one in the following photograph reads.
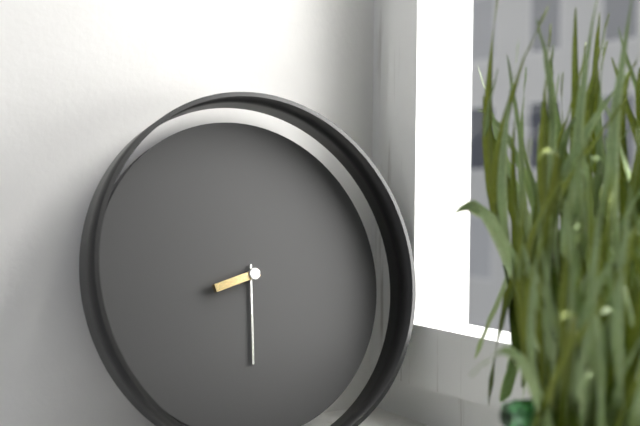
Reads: 8.31
